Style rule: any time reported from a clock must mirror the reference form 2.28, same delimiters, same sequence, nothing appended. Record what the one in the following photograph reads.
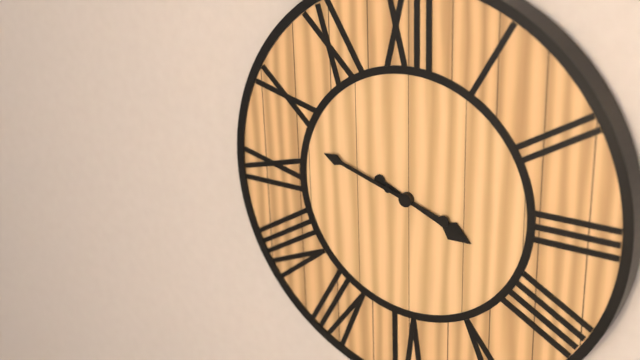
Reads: 3.48
